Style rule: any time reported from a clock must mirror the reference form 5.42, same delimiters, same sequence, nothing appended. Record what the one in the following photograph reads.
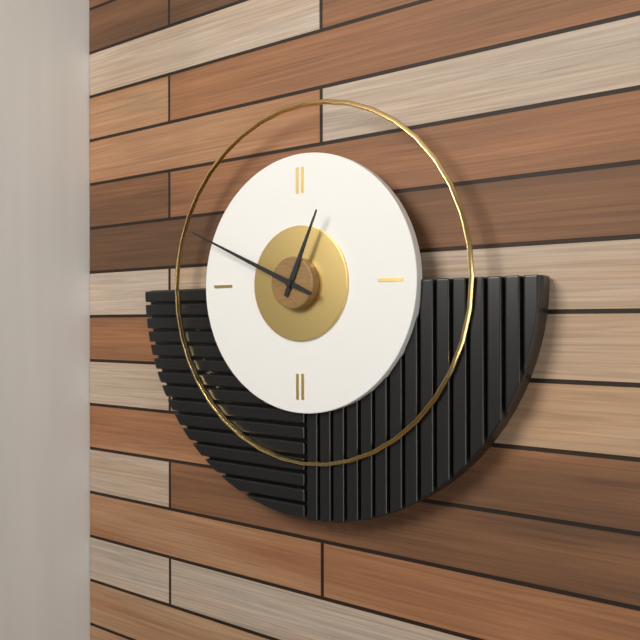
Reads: 12.49
